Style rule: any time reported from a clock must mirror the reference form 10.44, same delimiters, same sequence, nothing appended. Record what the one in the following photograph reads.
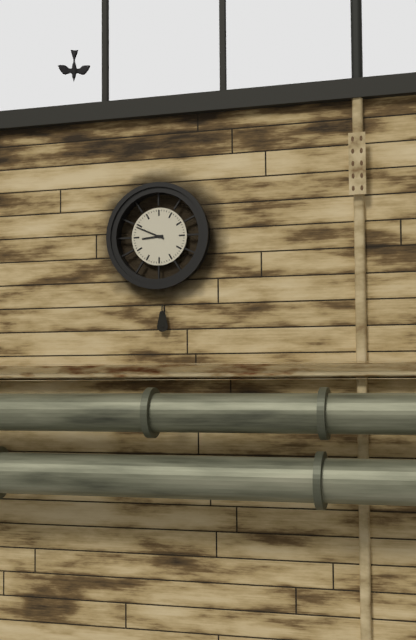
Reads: 8.49
